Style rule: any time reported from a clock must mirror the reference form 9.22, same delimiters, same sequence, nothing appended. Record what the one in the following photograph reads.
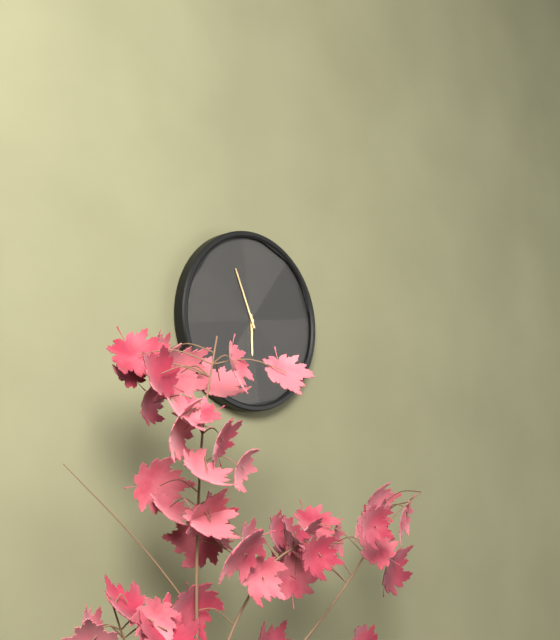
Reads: 5.56
